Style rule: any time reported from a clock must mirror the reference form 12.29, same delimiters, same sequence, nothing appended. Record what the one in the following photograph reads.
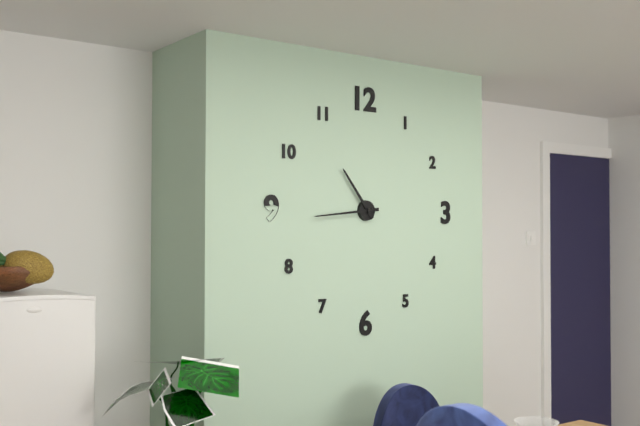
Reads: 10.44
